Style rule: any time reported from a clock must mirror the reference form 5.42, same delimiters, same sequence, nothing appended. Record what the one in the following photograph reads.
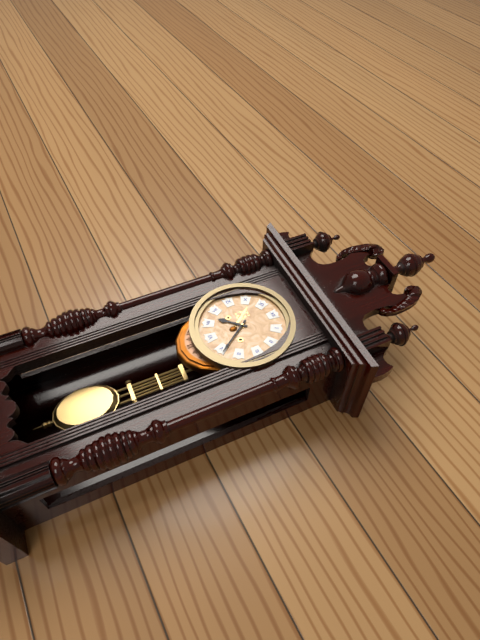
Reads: 7.24
